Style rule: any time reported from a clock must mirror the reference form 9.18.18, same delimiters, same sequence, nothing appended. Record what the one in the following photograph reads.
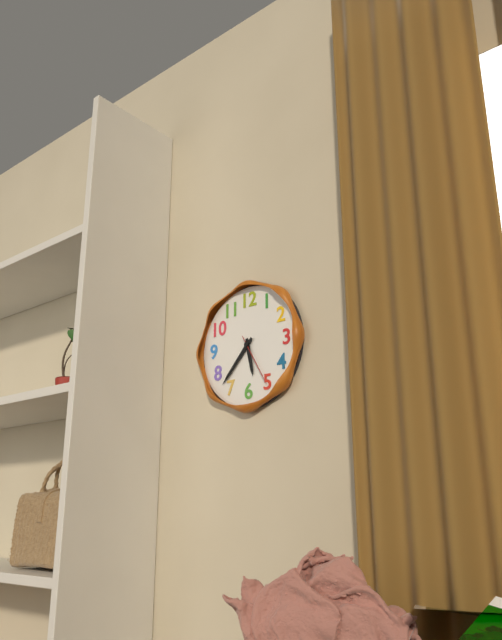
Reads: 5.37.25
